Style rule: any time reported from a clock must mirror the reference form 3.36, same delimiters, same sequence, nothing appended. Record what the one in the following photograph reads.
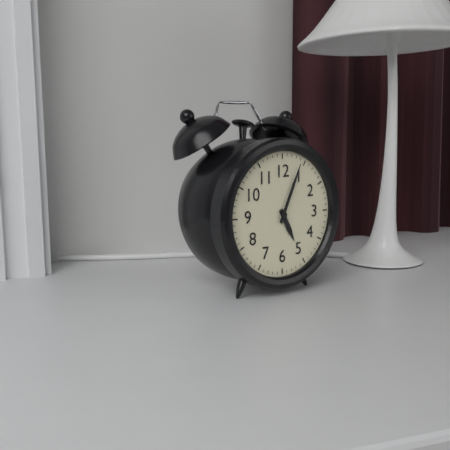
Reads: 5.04
